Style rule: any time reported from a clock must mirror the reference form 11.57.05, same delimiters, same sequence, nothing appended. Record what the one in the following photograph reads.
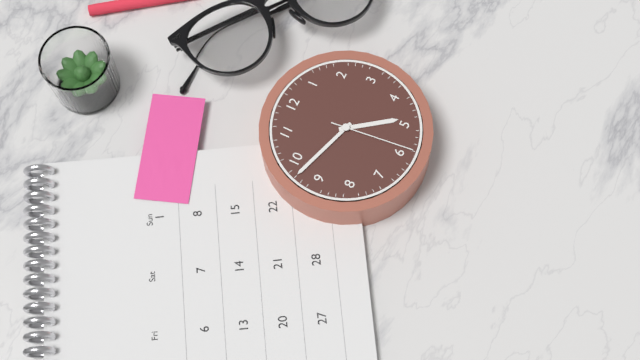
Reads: 4.48.29
